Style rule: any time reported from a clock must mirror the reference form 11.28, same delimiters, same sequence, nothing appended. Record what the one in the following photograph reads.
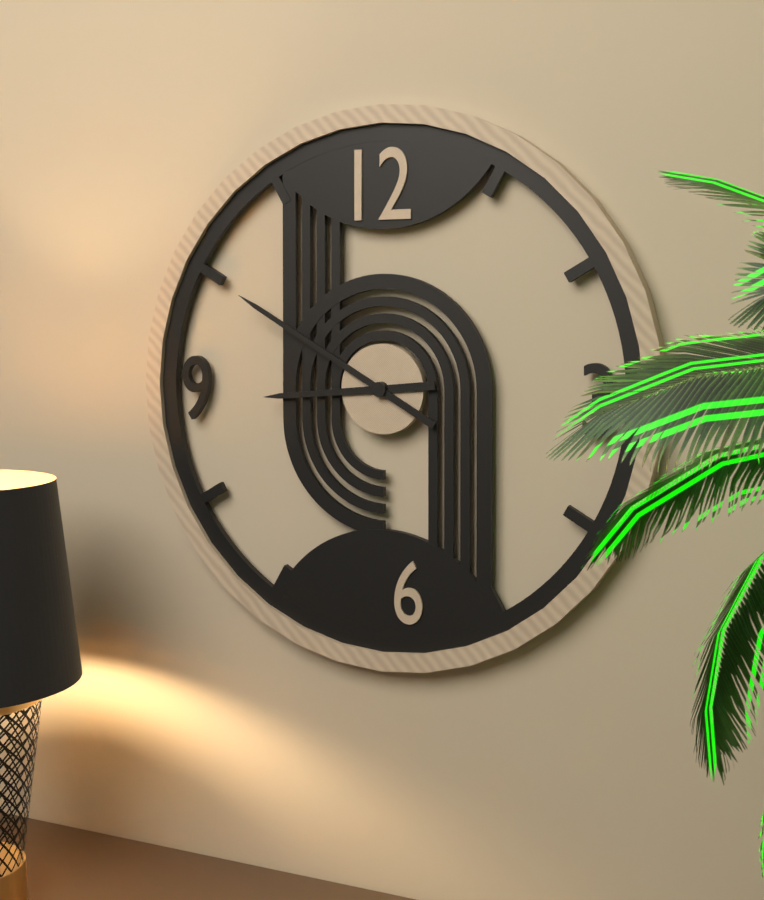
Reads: 8.50
